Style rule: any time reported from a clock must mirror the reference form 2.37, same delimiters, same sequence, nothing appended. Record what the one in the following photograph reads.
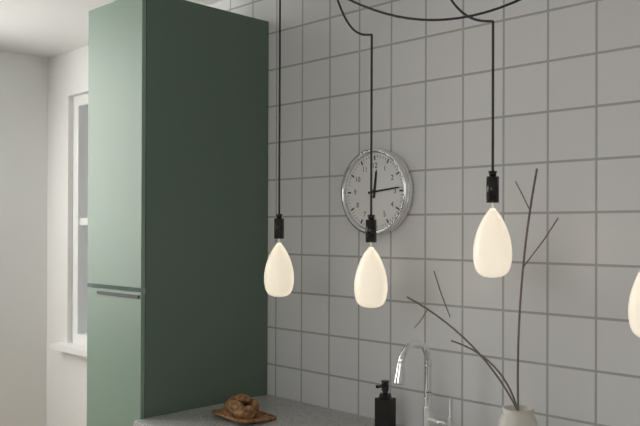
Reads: 12.14
